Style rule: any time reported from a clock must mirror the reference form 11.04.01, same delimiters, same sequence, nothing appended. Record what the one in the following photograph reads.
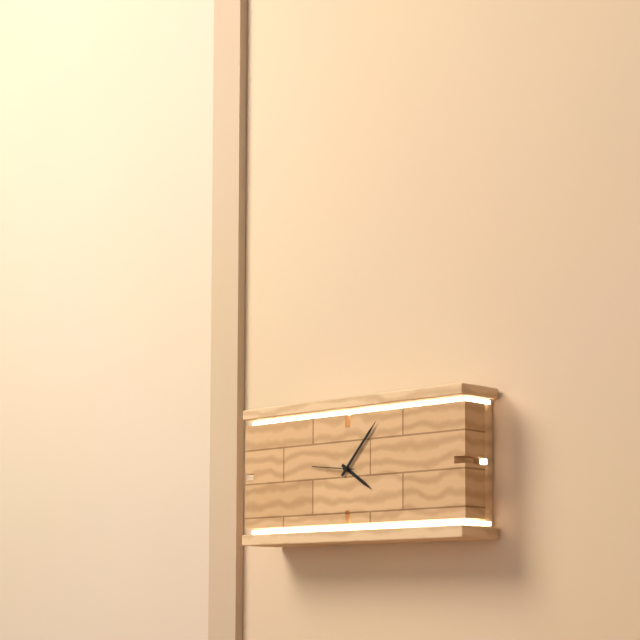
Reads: 4.07.46
